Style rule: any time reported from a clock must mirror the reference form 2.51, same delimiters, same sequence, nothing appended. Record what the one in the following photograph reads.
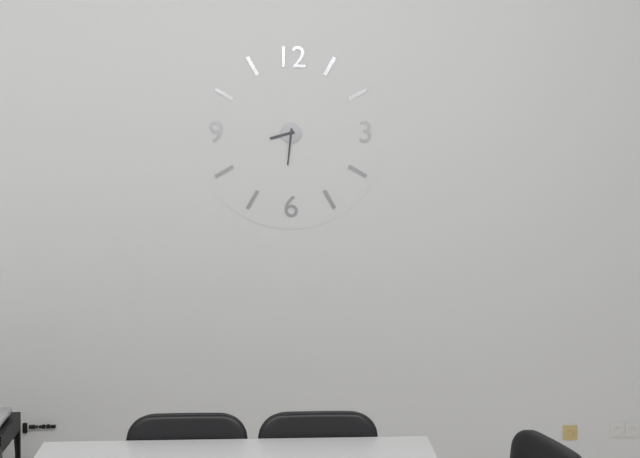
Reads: 8.31
